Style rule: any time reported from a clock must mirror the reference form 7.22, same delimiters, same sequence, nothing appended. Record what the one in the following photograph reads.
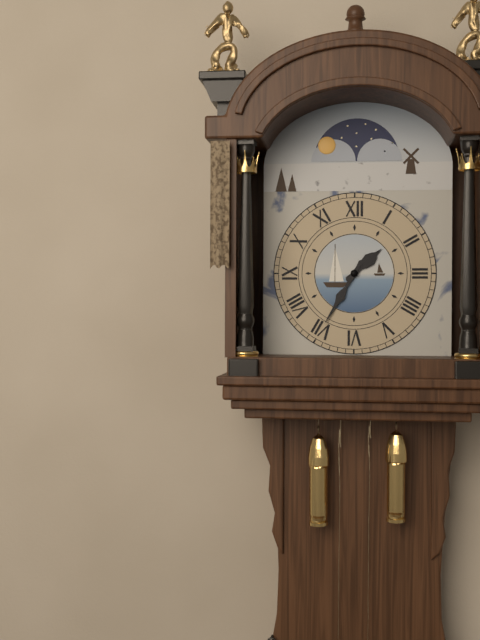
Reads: 1.35
